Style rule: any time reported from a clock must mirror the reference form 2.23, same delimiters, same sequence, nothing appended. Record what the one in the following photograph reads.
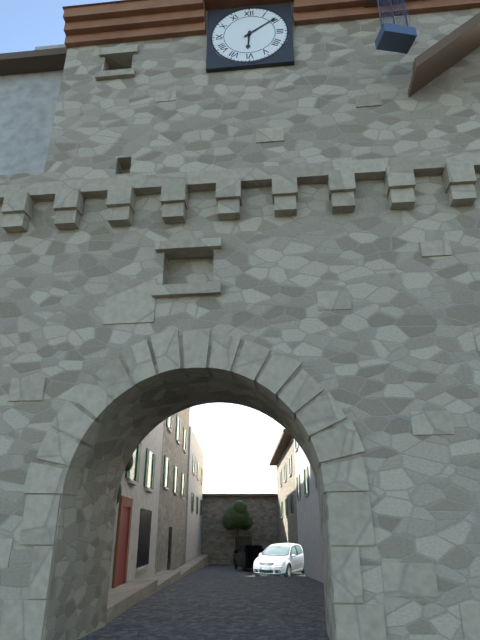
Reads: 6.09
